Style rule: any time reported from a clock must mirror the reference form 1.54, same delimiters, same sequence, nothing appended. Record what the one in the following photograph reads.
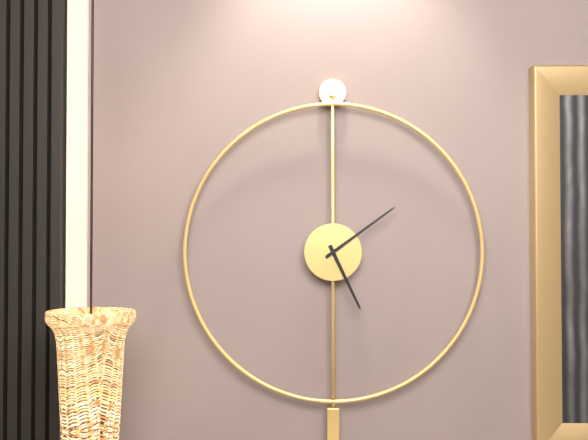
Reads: 5.09
